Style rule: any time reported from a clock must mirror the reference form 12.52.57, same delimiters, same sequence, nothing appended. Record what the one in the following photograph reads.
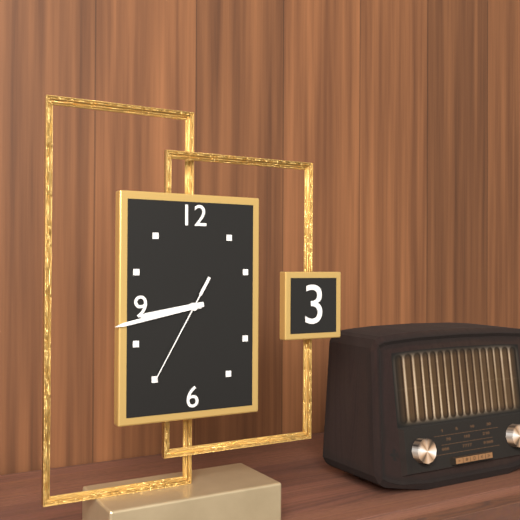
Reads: 8.43.35
